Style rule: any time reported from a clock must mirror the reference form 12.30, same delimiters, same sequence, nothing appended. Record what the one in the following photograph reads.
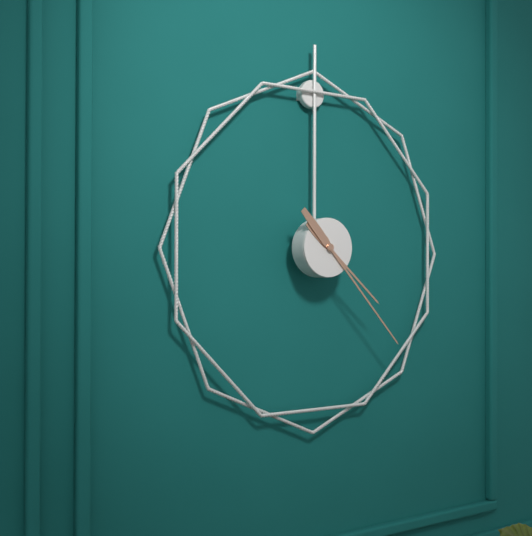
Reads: 4.23
